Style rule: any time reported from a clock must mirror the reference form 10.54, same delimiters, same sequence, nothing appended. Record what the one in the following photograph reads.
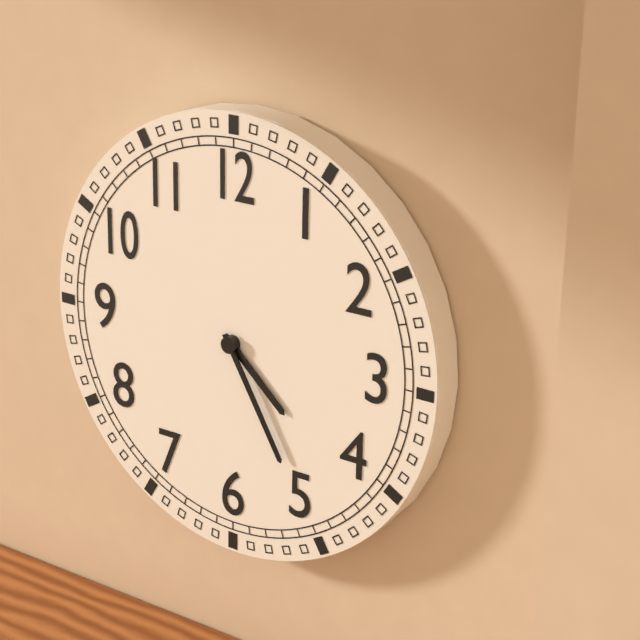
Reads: 4.25
